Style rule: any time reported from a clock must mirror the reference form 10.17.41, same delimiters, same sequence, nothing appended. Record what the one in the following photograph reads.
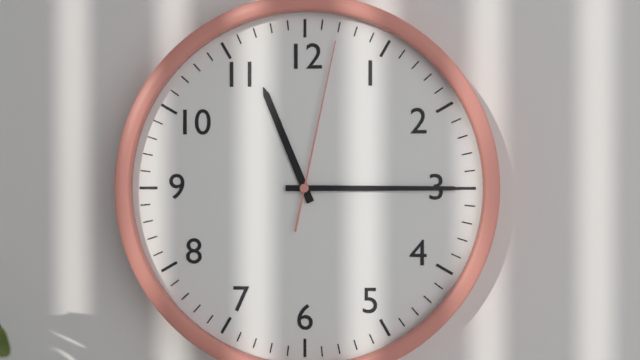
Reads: 11.15.02
